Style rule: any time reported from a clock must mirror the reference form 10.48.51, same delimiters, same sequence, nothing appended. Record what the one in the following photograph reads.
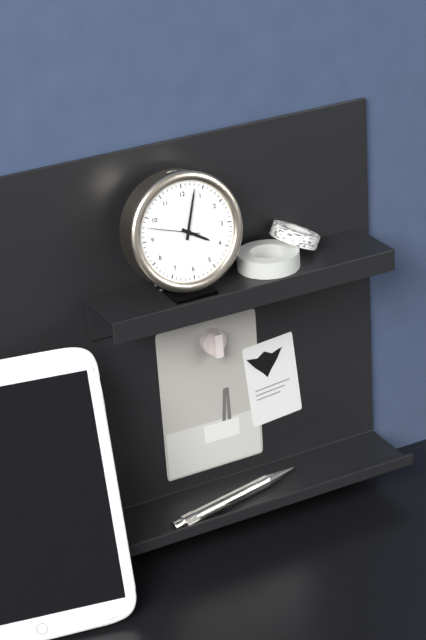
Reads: 4.03.48
